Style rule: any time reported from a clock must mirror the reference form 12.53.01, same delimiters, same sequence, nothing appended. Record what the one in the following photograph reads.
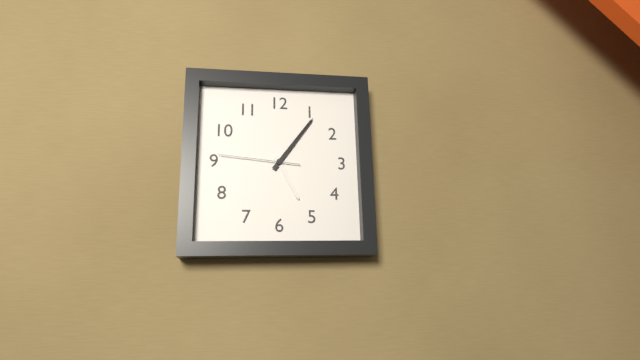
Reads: 5.06.46
